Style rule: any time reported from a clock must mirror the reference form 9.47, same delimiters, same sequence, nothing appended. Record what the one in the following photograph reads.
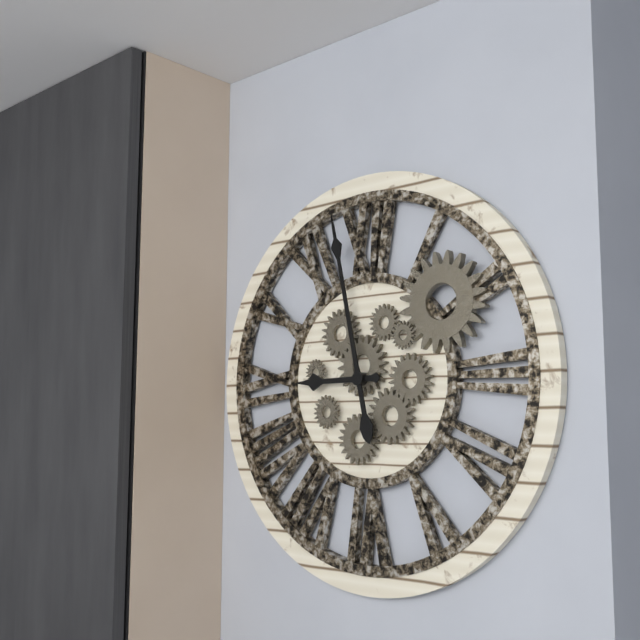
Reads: 8.58
